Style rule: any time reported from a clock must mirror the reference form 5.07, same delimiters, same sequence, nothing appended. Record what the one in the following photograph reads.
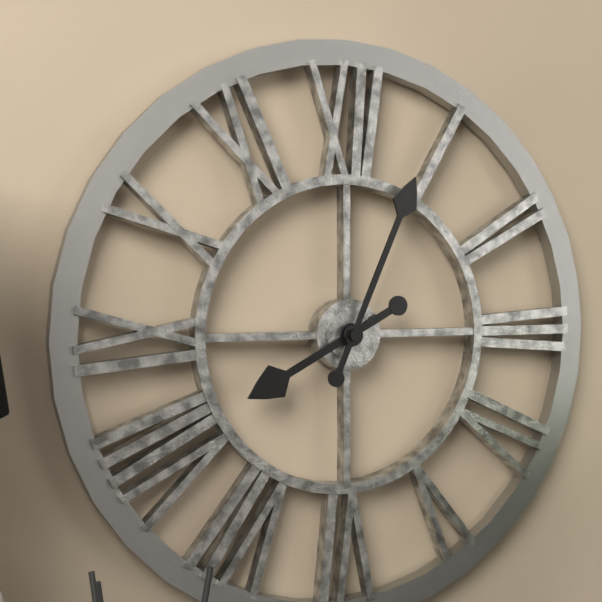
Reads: 8.04
